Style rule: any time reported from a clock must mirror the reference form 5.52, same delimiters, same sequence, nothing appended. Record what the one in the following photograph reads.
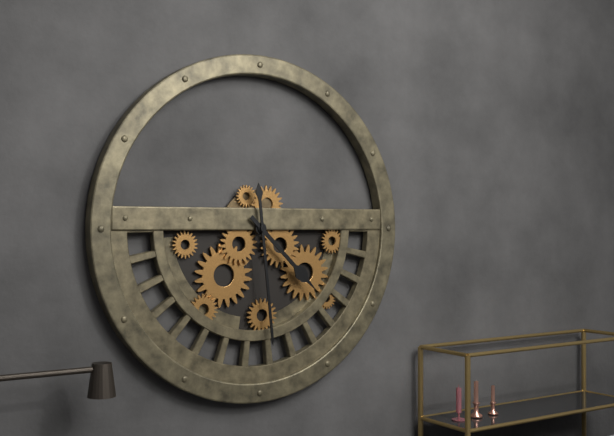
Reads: 4.29
